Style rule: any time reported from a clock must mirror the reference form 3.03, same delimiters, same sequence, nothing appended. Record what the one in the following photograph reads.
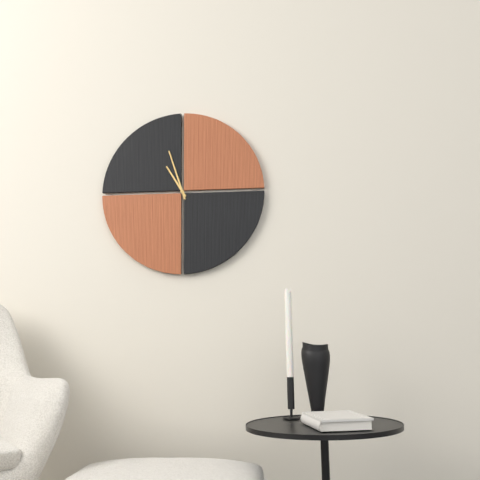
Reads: 10.57
